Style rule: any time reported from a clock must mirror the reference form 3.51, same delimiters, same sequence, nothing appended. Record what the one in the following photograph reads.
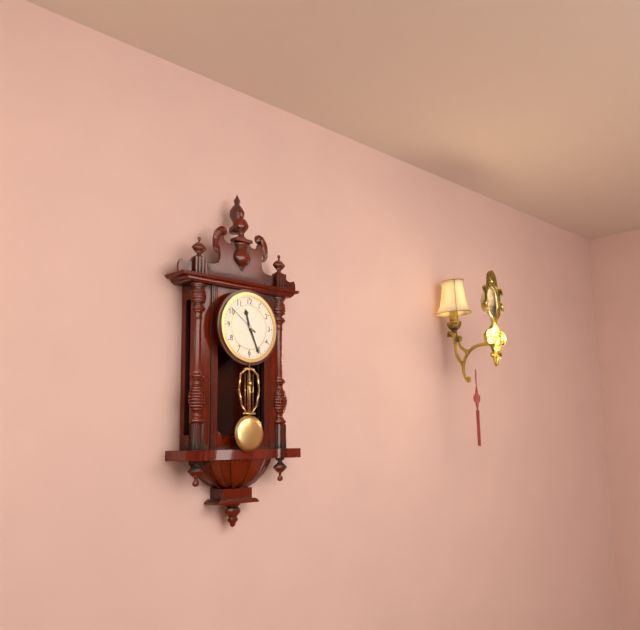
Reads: 11.26
